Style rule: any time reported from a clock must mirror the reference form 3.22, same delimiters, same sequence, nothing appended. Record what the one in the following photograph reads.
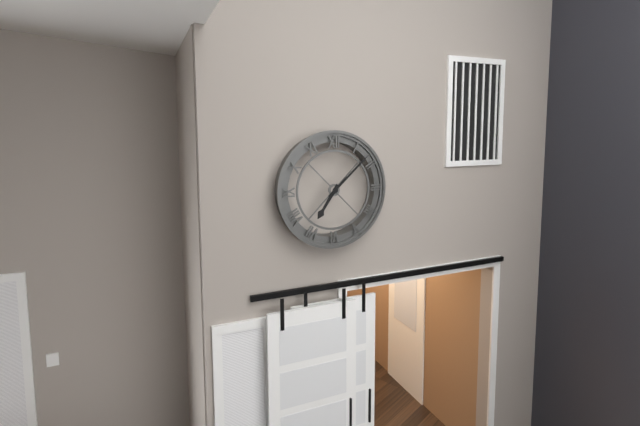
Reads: 7.08
